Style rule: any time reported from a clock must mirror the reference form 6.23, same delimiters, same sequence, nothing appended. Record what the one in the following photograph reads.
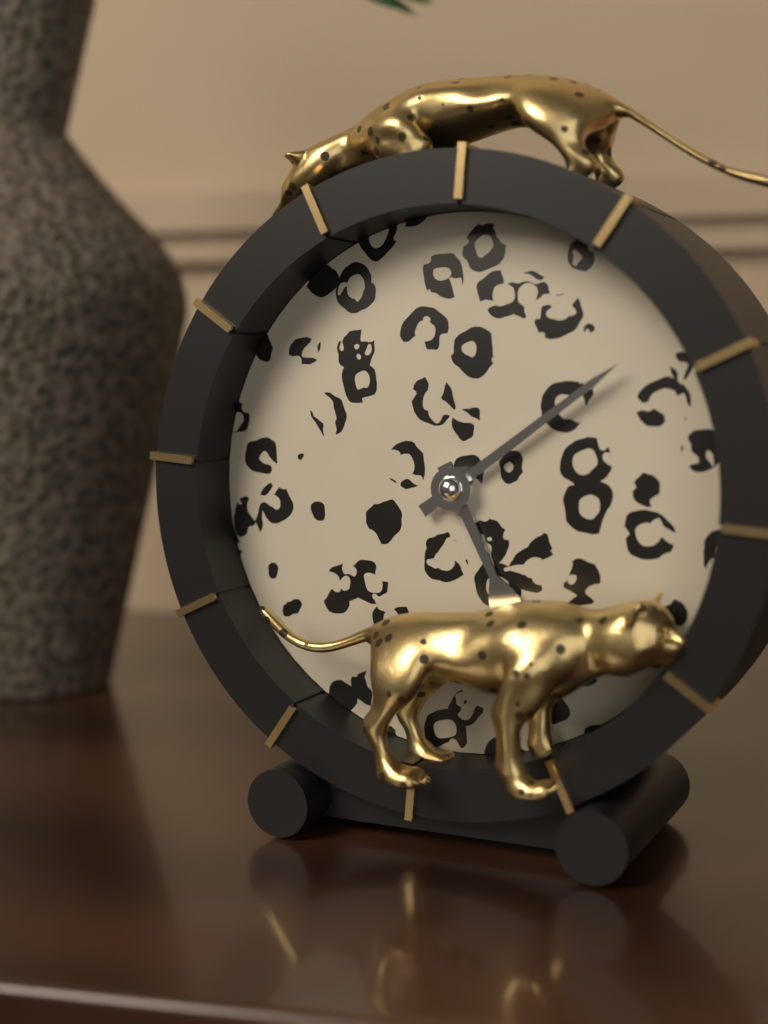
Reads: 5.09
